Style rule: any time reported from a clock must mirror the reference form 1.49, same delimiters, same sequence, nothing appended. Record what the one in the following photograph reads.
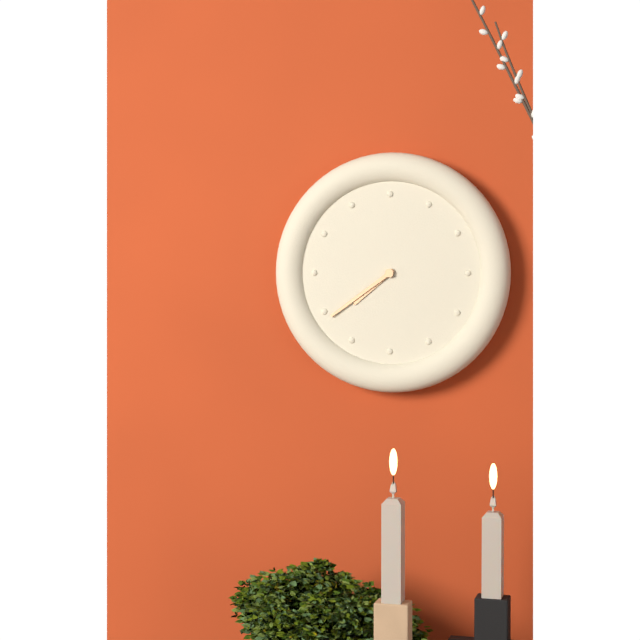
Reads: 7.39
